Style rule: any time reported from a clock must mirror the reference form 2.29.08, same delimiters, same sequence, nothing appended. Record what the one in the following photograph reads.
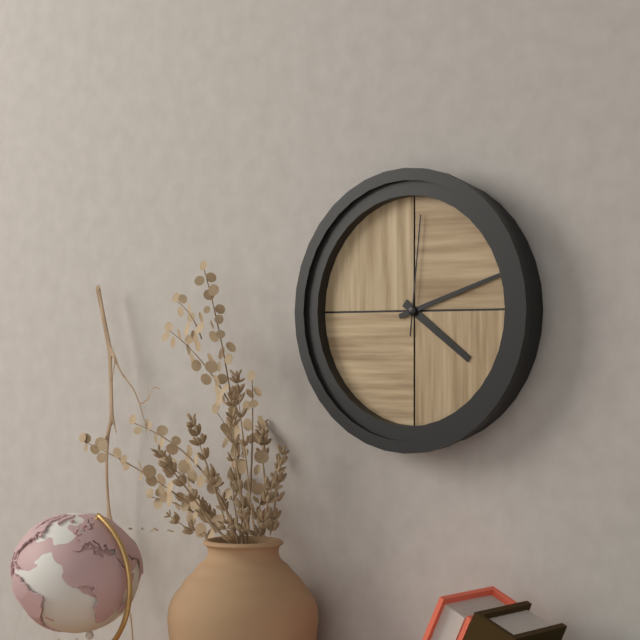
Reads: 4.12.01
